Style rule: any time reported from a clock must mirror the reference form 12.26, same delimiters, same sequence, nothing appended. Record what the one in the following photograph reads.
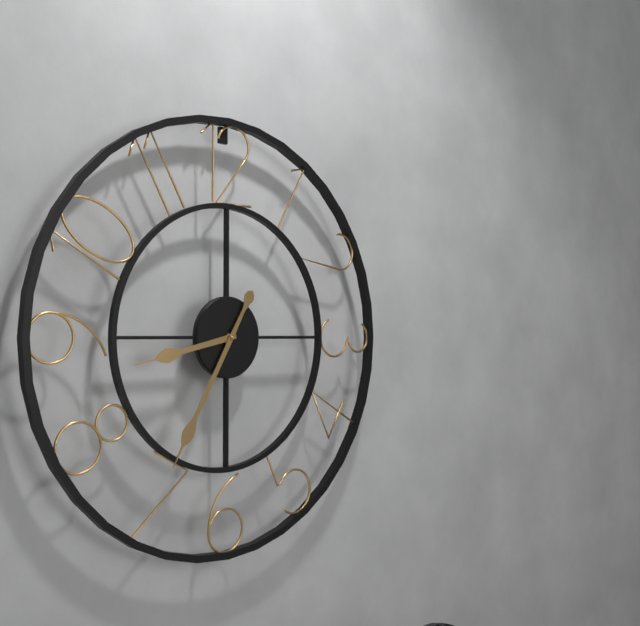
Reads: 8.35
